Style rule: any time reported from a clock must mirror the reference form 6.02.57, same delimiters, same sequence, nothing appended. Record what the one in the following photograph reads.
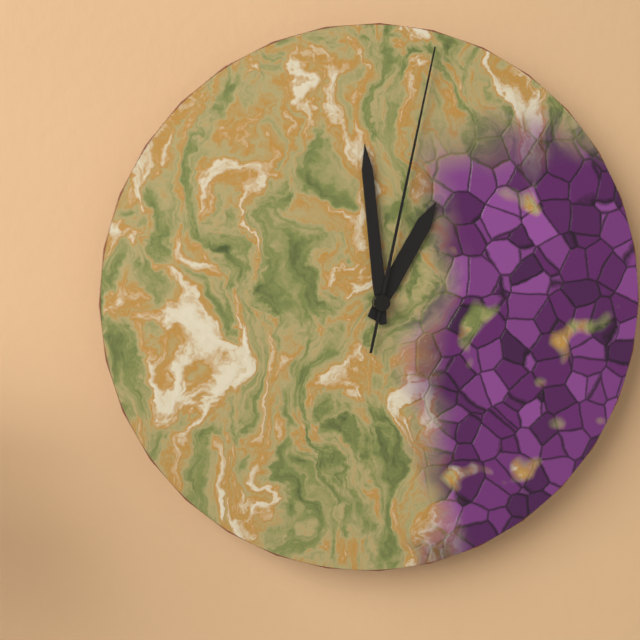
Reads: 12.59.02
